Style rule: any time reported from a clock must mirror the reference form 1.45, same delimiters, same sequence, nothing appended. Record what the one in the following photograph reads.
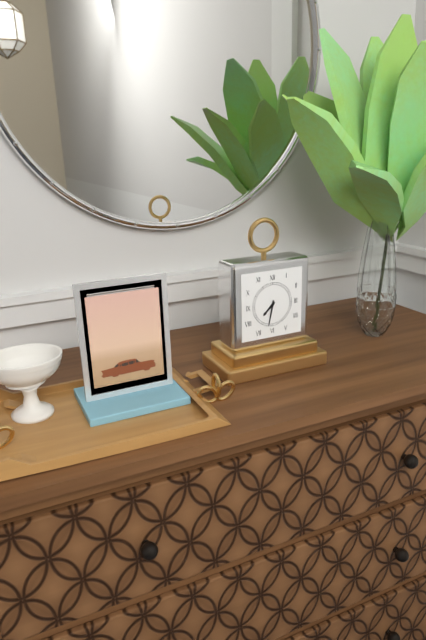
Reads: 7.32
